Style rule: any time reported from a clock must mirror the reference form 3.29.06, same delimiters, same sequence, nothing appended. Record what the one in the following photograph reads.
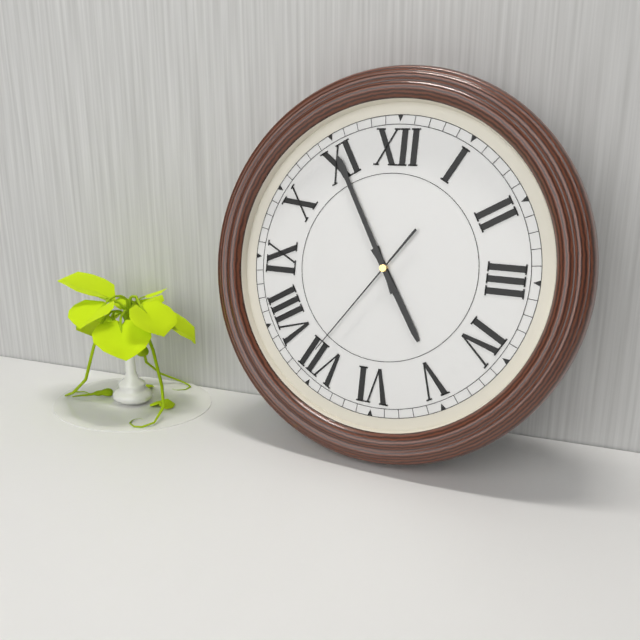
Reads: 4.55.36
